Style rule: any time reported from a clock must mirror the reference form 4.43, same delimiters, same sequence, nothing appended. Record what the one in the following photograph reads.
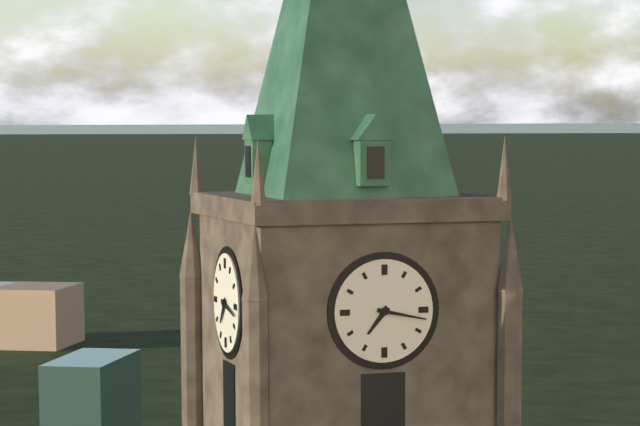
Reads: 7.17
